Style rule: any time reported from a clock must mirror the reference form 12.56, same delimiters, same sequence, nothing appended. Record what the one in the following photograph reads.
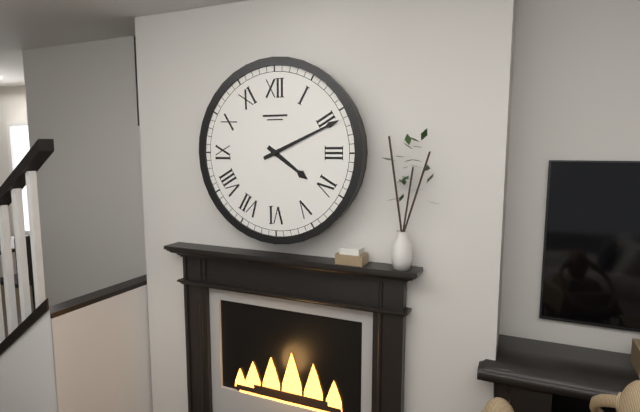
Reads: 4.11
